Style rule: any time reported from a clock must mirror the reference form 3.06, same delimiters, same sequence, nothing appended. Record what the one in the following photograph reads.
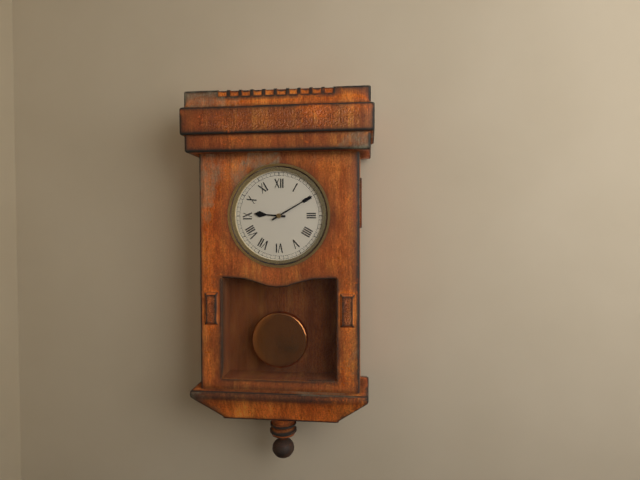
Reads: 9.10
